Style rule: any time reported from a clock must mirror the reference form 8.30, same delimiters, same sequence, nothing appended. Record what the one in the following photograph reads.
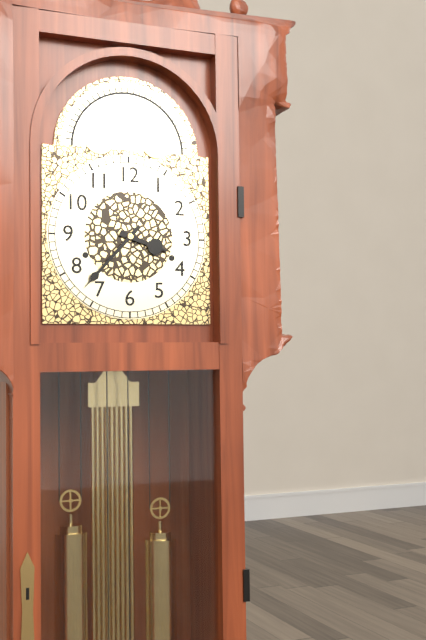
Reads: 3.37
